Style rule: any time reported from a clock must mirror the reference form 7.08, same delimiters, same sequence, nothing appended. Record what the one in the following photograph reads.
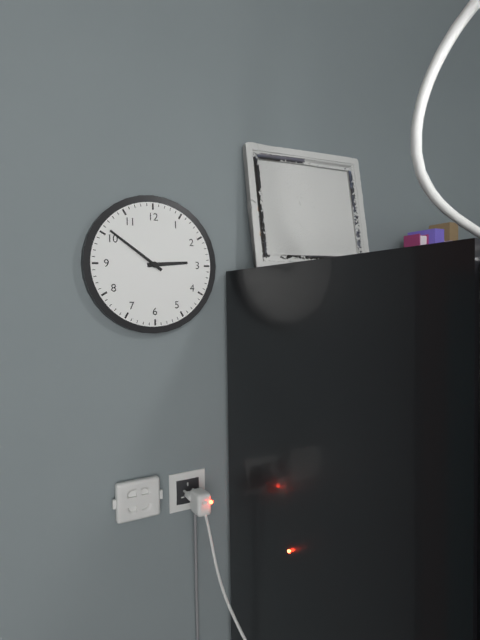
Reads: 2.51
